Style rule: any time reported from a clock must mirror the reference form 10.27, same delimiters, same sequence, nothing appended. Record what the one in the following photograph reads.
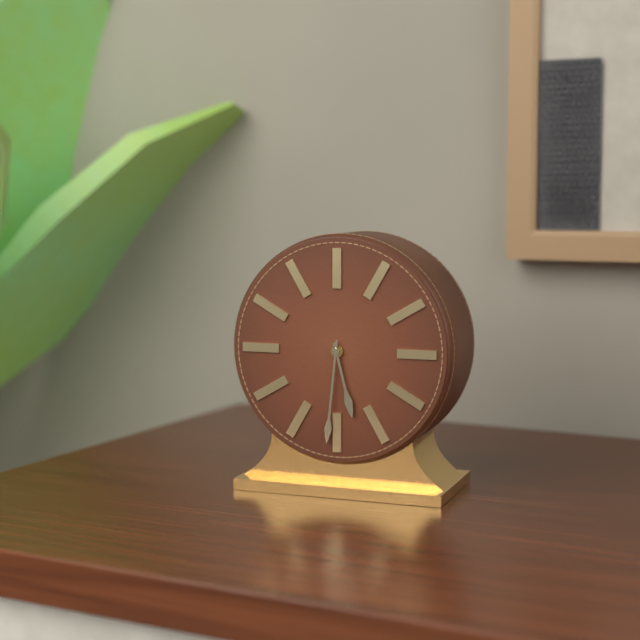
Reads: 5.31
